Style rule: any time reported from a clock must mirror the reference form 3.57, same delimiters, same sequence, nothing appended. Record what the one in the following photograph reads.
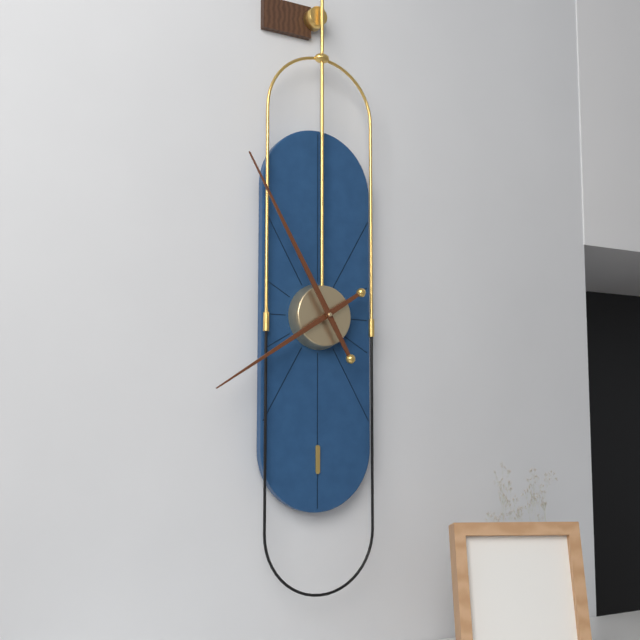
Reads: 7.55
